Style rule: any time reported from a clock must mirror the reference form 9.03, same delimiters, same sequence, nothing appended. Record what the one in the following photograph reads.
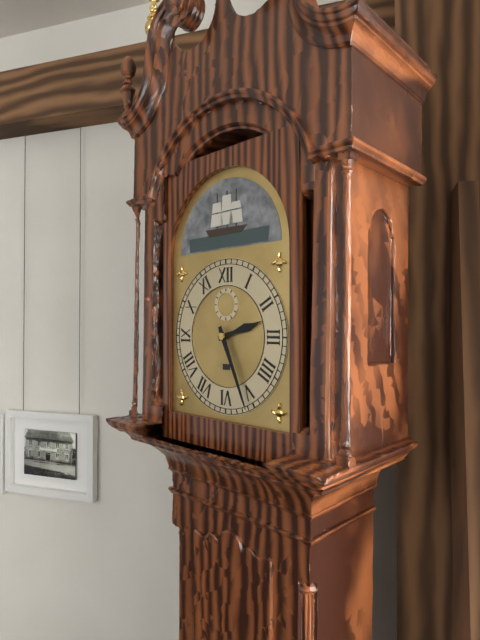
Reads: 2.26
